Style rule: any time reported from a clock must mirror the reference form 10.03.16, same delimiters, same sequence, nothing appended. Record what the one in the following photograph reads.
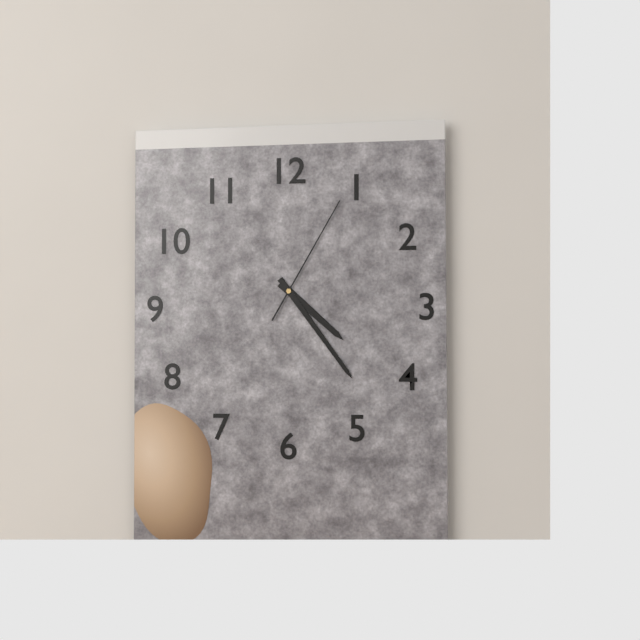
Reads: 4.24.05
